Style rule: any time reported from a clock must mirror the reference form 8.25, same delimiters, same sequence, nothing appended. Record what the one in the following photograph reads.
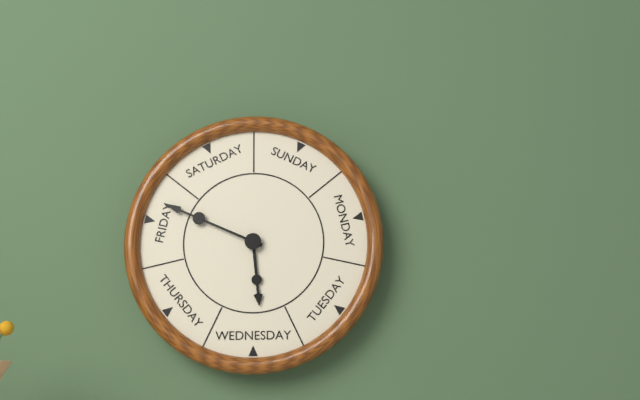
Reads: 5.49
